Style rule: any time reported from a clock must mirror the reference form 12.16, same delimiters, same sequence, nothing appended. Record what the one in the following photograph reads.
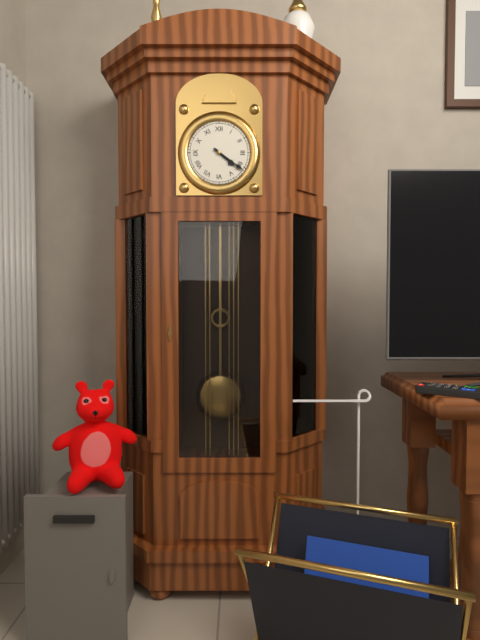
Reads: 4.21
